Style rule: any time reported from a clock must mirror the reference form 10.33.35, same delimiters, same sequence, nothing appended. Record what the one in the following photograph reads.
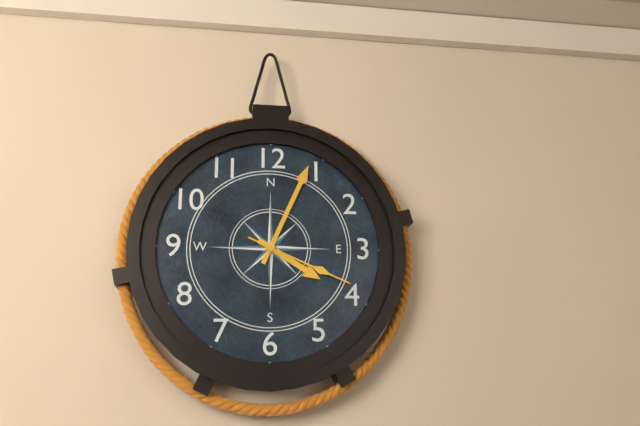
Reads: 4.04.19
